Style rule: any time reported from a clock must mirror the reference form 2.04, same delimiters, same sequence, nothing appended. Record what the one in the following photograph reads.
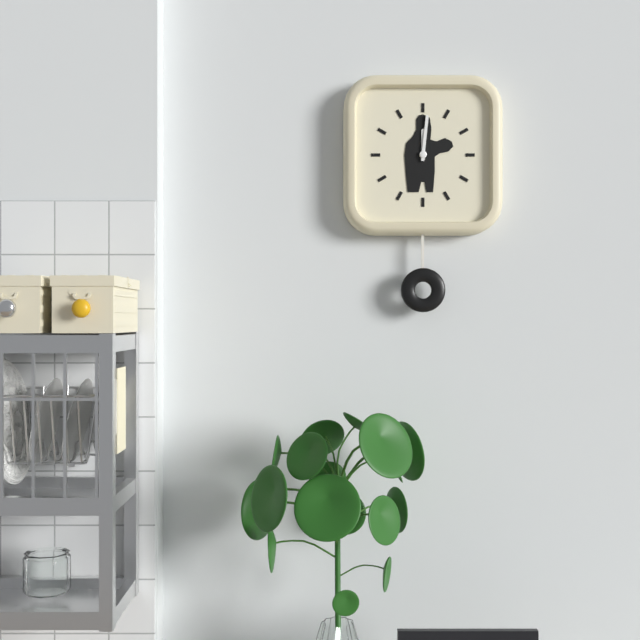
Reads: 12.01
